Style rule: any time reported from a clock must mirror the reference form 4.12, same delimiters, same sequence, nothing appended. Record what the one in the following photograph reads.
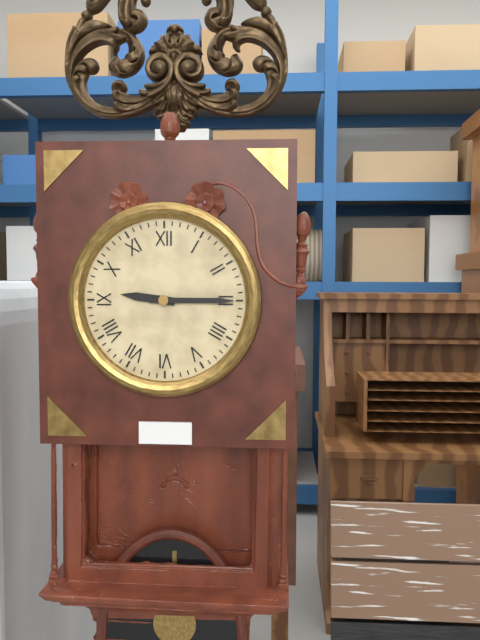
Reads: 9.15
